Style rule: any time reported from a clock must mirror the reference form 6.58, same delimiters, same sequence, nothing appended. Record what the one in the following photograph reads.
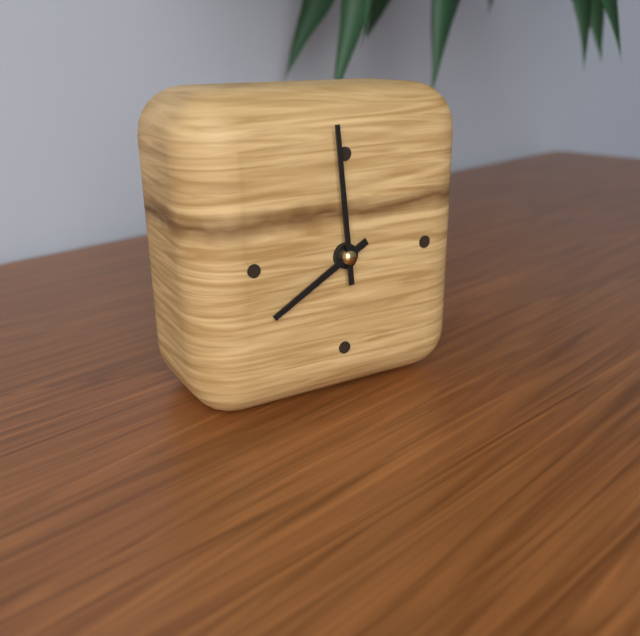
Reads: 7.59
